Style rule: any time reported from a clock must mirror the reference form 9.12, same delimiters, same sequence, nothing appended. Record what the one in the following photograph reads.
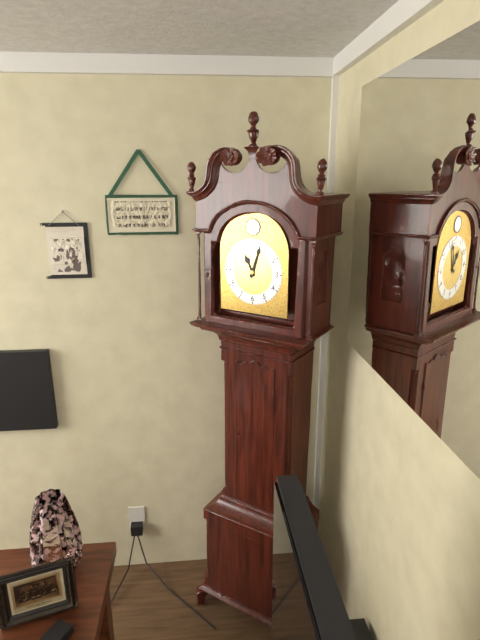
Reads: 11.03
